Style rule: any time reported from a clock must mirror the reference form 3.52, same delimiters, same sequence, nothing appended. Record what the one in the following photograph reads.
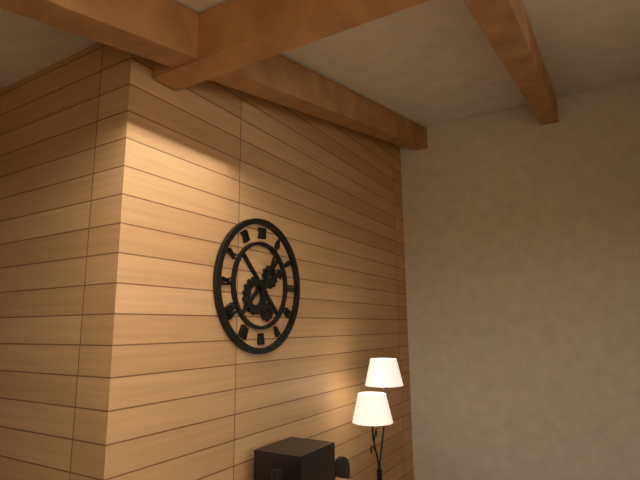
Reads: 2.04
